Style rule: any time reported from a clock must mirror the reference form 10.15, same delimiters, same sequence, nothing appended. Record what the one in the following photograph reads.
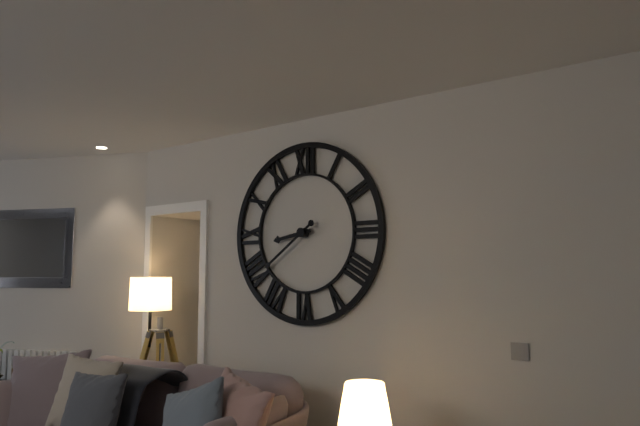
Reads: 8.39
